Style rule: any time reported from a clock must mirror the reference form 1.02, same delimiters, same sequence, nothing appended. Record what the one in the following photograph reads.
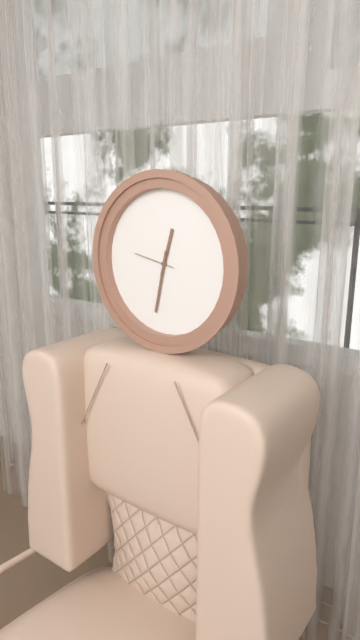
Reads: 12.32
